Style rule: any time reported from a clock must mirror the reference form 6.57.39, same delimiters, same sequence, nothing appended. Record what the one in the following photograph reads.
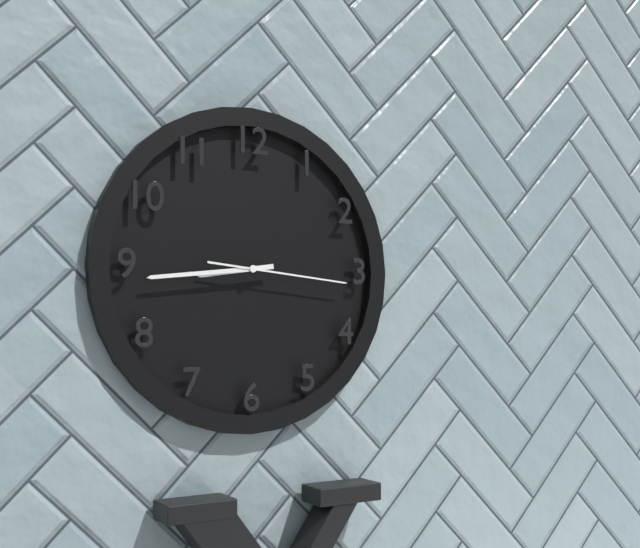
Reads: 8.44.16
